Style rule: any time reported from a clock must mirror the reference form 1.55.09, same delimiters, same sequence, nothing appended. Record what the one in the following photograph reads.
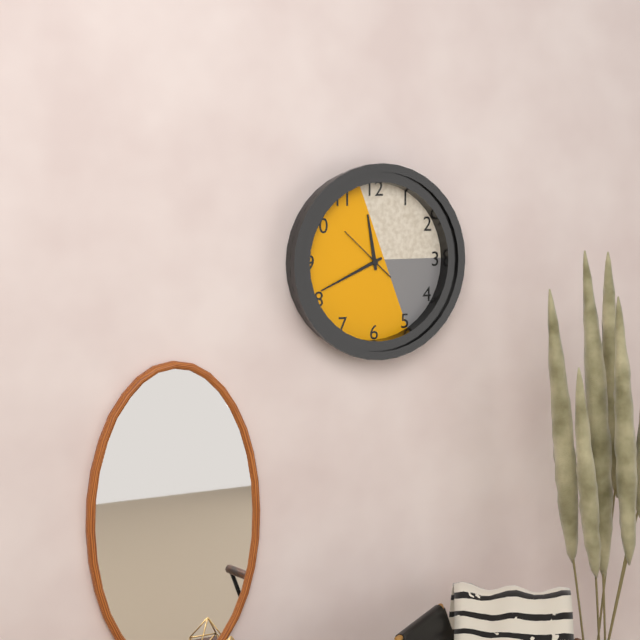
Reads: 11.41.52
